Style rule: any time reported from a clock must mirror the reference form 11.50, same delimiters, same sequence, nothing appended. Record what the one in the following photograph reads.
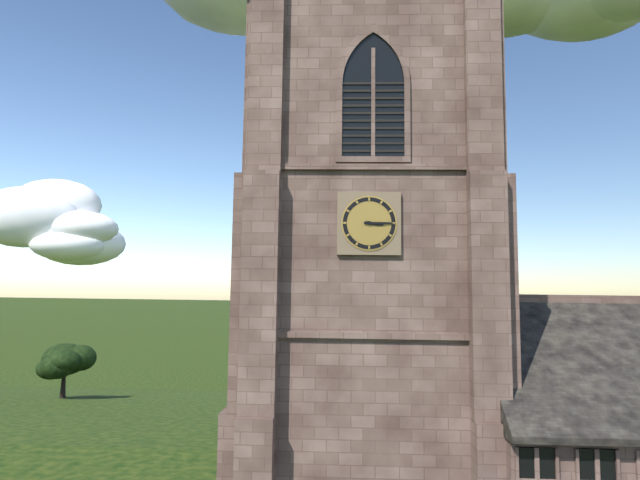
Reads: 3.15
